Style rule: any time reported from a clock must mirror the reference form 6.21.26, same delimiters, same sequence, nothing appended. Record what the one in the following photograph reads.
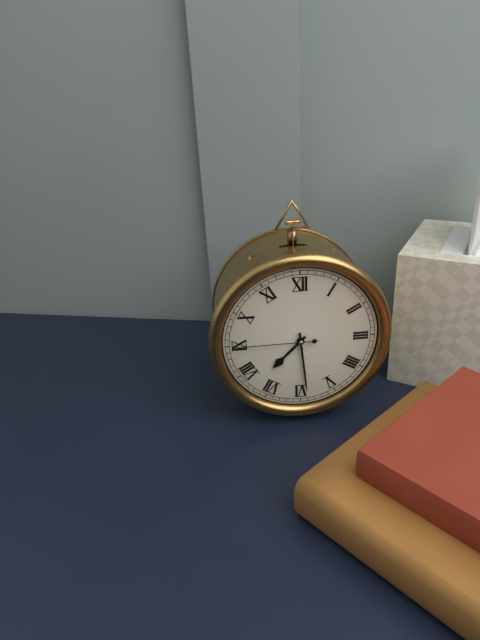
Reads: 7.29.45
